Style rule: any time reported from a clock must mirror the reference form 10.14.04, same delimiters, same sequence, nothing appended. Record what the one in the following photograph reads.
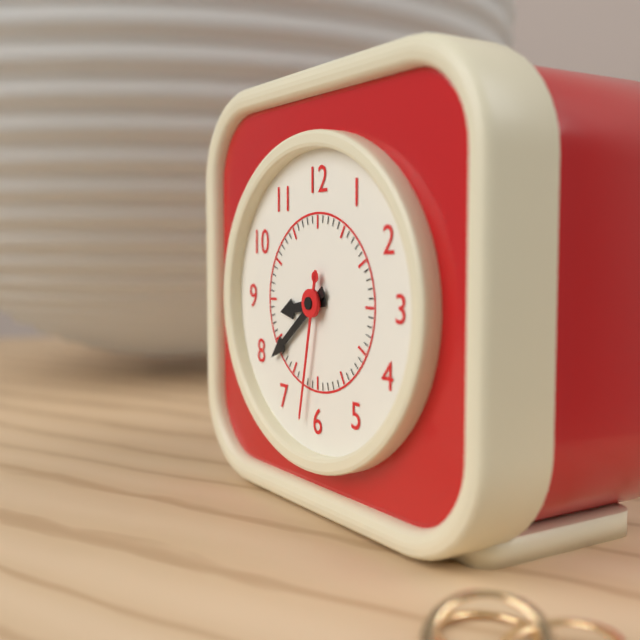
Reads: 8.39.32
